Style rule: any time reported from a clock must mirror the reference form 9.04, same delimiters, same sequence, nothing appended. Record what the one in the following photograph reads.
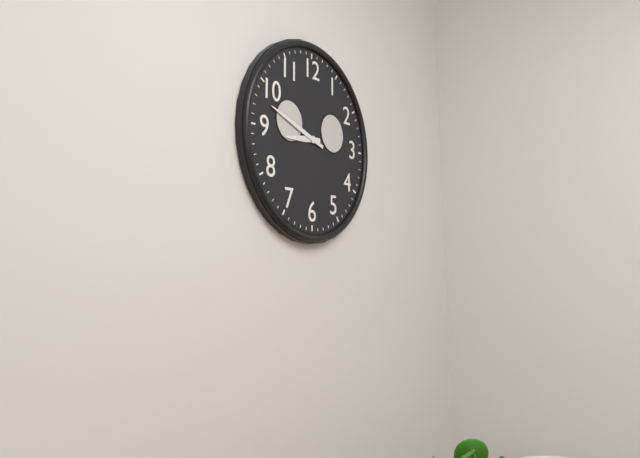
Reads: 8.48
